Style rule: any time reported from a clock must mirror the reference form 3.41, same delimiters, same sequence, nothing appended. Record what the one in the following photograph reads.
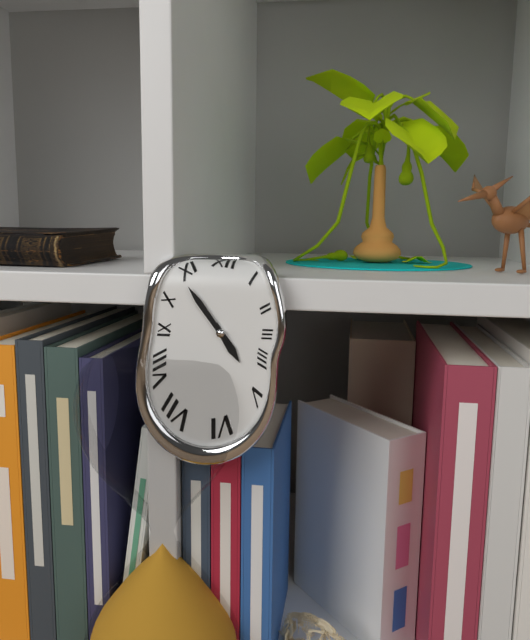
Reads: 4.54
